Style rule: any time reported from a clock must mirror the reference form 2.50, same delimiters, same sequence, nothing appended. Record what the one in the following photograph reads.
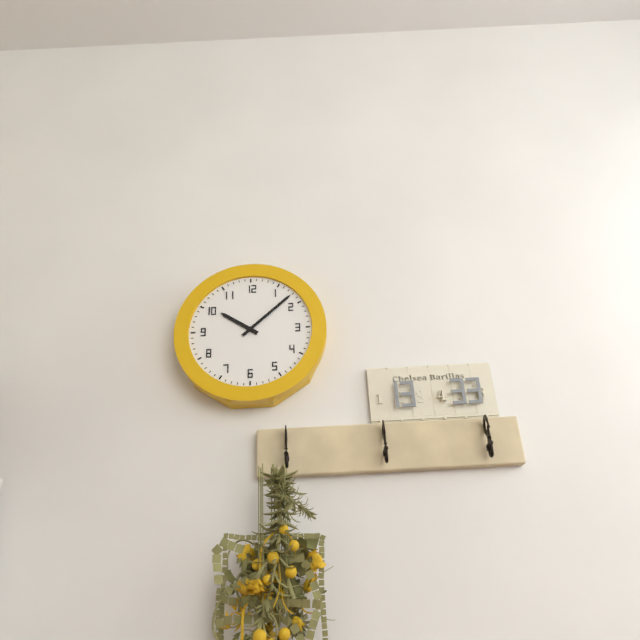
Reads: 10.08
